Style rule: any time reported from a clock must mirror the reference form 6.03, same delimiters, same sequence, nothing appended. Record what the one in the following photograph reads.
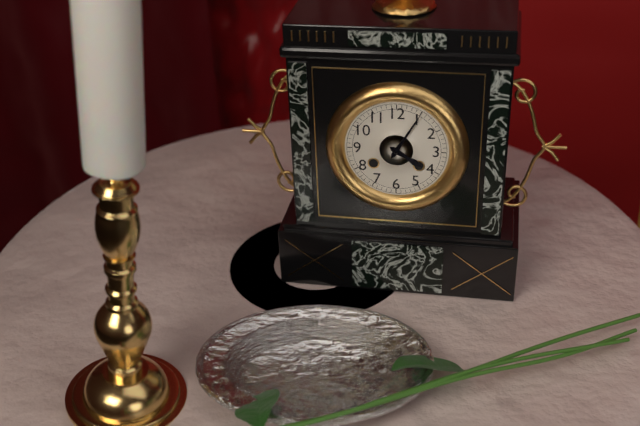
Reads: 4.05
